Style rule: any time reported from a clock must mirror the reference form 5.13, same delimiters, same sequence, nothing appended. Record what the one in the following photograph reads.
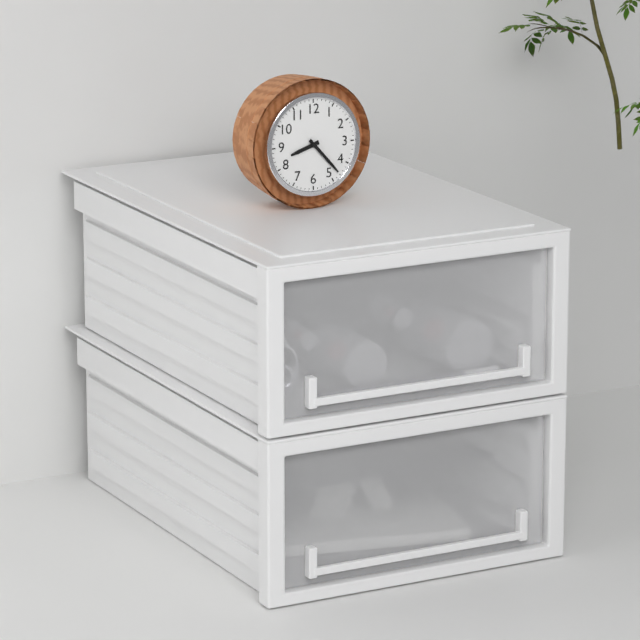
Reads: 8.23
